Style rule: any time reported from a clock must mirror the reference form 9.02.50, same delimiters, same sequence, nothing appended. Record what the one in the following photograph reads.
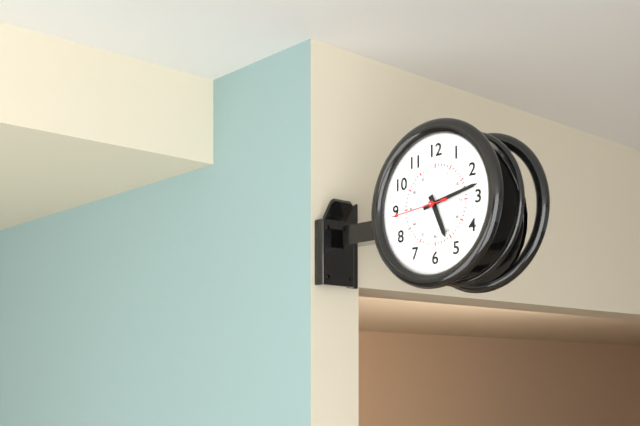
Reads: 5.13.44
